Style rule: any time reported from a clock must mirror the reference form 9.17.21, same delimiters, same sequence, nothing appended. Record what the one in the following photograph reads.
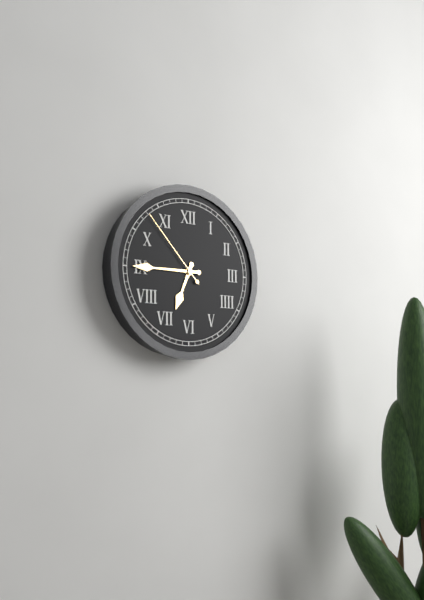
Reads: 6.45.53
